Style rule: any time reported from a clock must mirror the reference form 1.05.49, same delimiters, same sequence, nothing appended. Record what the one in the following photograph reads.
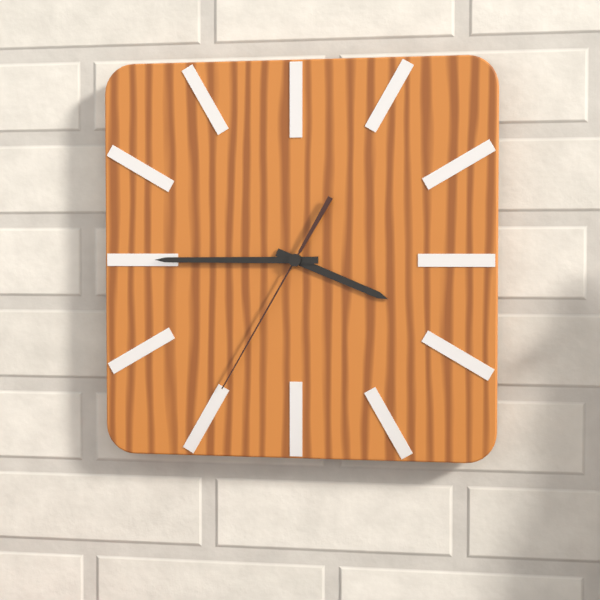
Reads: 3.45.35
